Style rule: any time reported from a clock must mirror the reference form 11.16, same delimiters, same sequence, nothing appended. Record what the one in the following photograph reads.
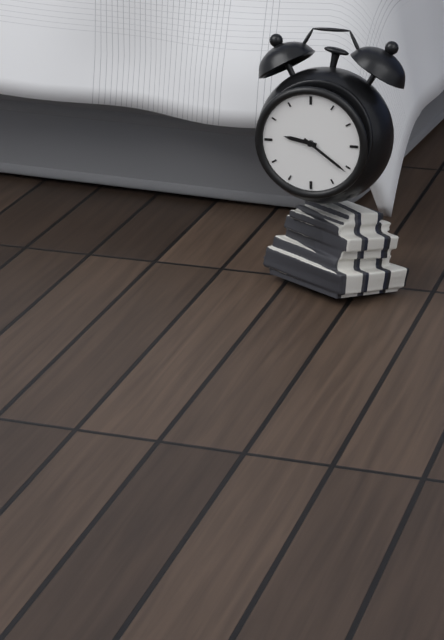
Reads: 9.21
